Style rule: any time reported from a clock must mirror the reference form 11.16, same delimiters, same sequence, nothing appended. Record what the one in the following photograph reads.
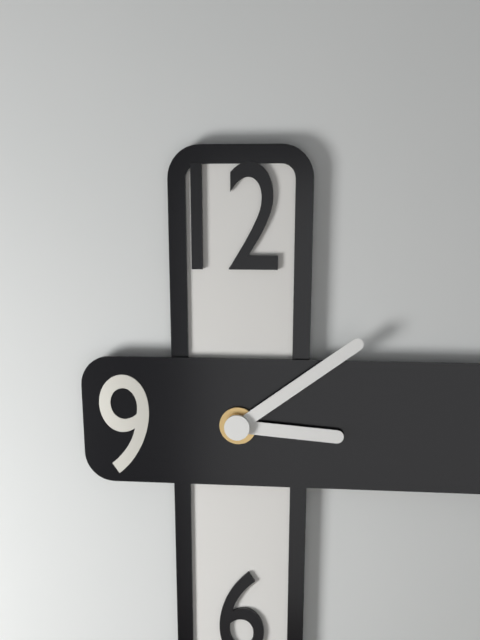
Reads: 3.09
